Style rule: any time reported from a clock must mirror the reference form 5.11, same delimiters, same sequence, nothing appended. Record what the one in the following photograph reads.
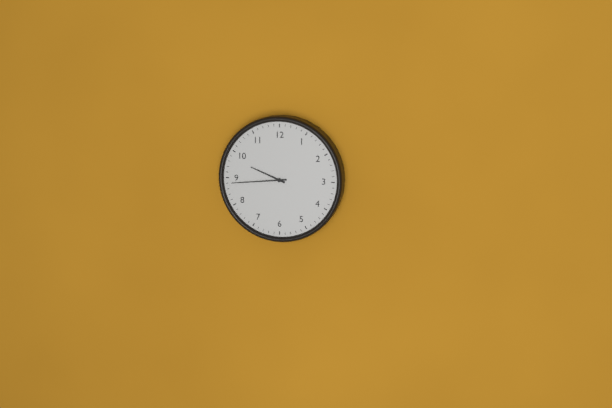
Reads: 9.44
